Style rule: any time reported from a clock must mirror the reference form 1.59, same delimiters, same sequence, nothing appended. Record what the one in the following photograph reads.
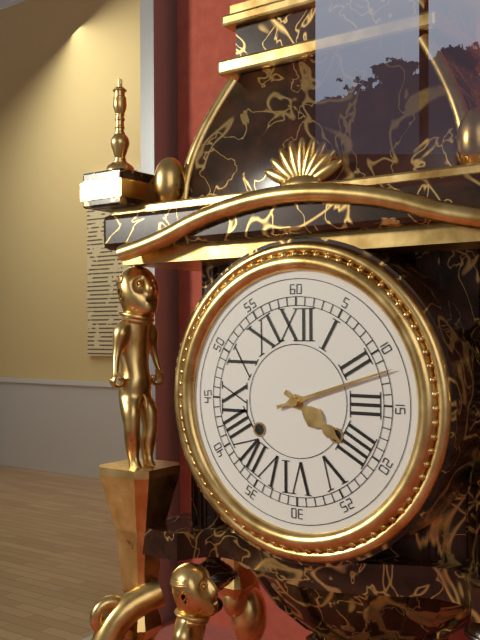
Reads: 4.12
